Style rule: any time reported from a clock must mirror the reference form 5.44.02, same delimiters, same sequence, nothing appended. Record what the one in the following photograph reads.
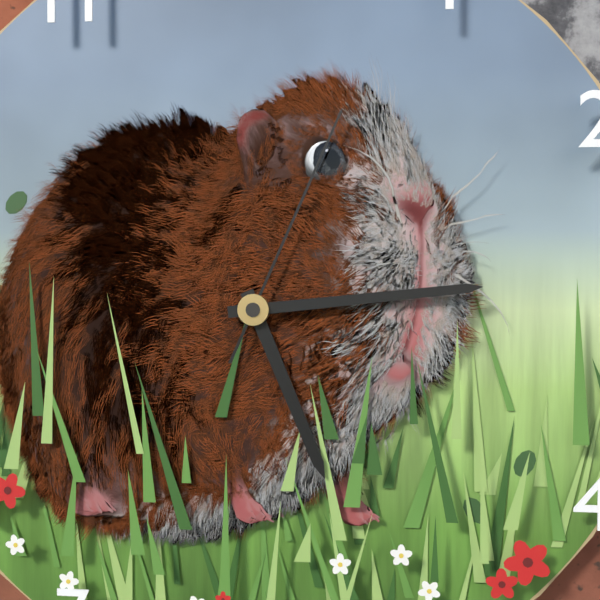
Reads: 5.14.04
